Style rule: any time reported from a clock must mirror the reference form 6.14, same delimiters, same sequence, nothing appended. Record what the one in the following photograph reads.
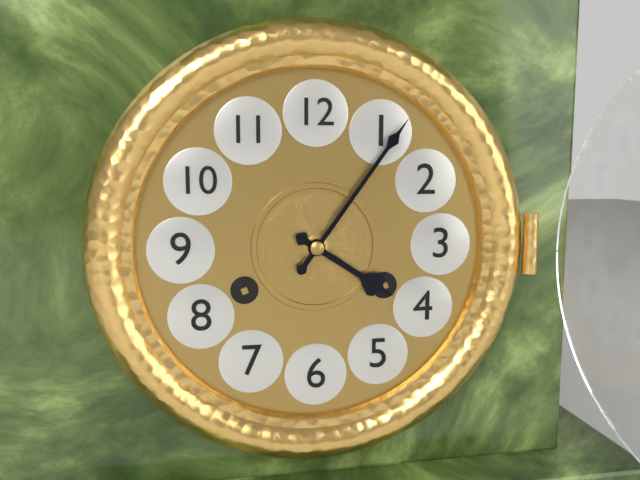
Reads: 4.06
